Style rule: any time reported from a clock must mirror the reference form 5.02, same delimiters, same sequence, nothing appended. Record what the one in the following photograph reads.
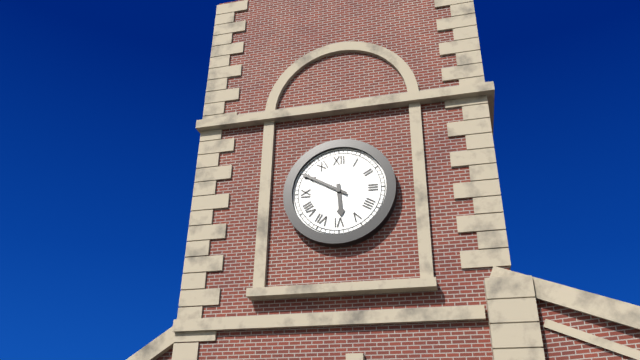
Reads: 5.50
